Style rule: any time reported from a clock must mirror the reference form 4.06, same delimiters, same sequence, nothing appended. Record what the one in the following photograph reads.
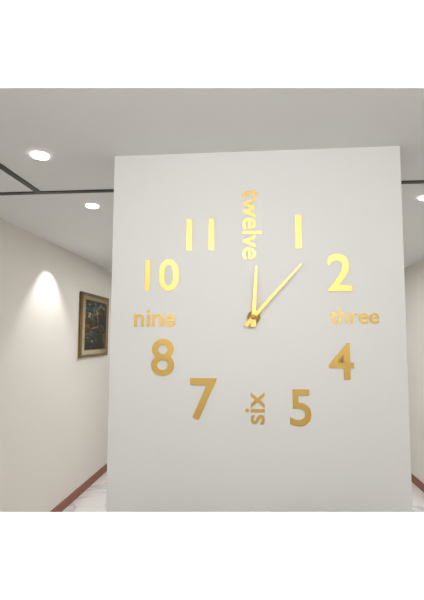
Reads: 12.07
